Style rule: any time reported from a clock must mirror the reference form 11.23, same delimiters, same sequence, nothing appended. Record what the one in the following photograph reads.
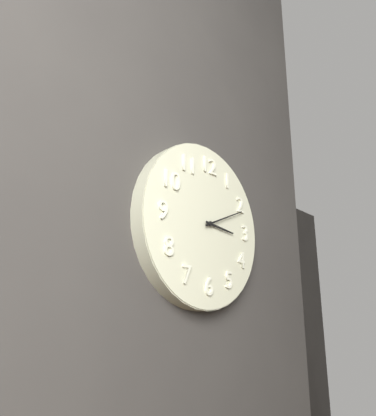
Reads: 3.11
